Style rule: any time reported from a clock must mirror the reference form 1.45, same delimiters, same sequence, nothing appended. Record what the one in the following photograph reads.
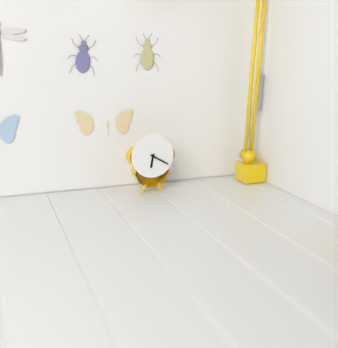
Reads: 6.20
